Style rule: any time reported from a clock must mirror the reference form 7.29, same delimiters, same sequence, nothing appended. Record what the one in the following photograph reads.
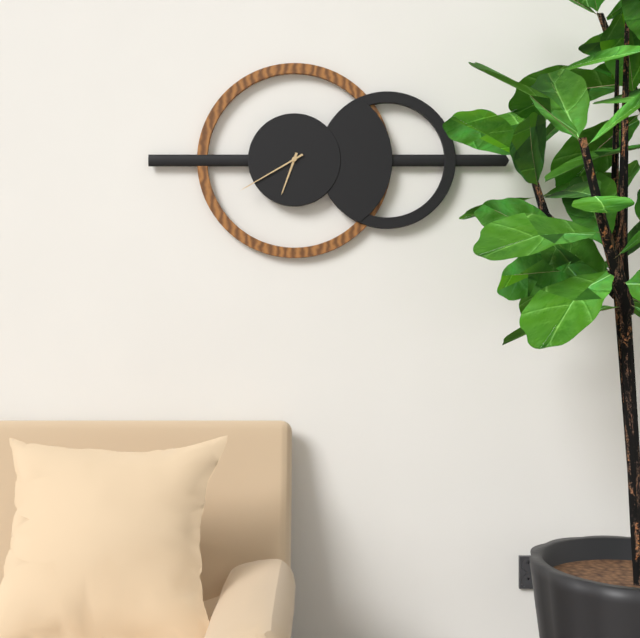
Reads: 6.40
